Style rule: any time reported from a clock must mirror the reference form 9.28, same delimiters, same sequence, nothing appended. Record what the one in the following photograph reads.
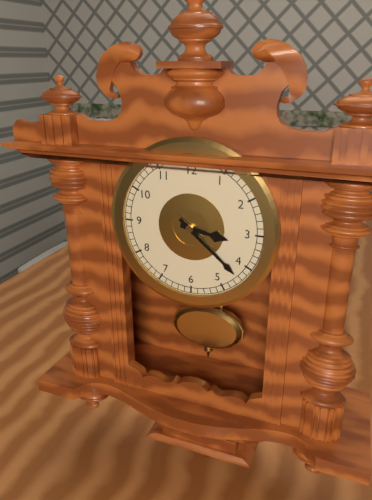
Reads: 3.22
